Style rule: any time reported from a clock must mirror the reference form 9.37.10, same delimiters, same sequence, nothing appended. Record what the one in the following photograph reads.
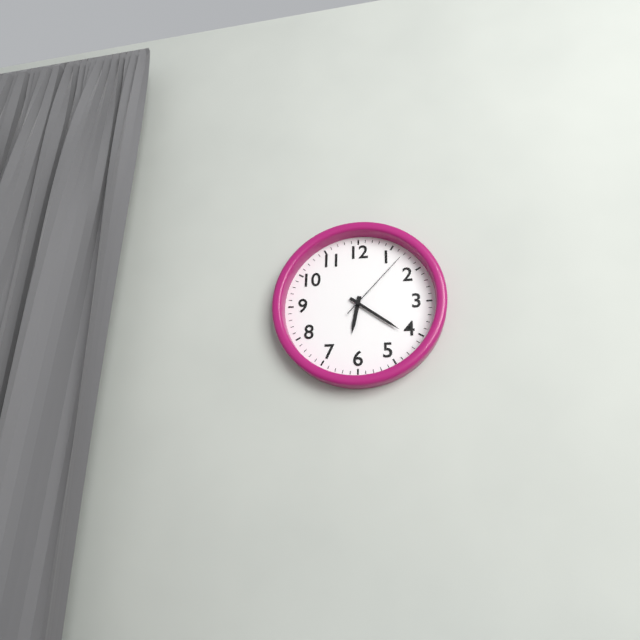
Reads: 6.21.07
